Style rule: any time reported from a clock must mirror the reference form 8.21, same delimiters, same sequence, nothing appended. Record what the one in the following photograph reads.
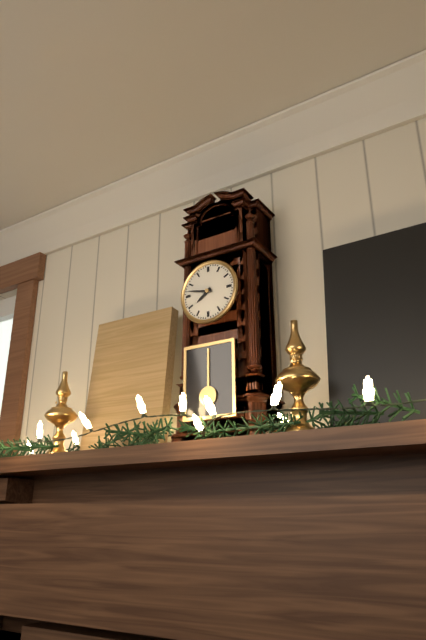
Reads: 7.47
